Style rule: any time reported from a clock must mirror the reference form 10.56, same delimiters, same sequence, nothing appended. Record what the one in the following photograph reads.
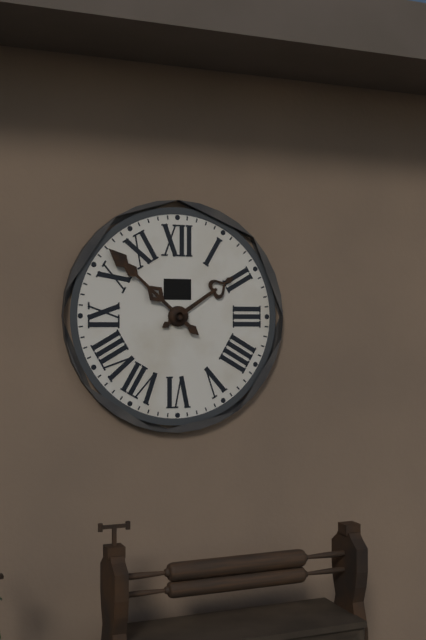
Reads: 1.52
